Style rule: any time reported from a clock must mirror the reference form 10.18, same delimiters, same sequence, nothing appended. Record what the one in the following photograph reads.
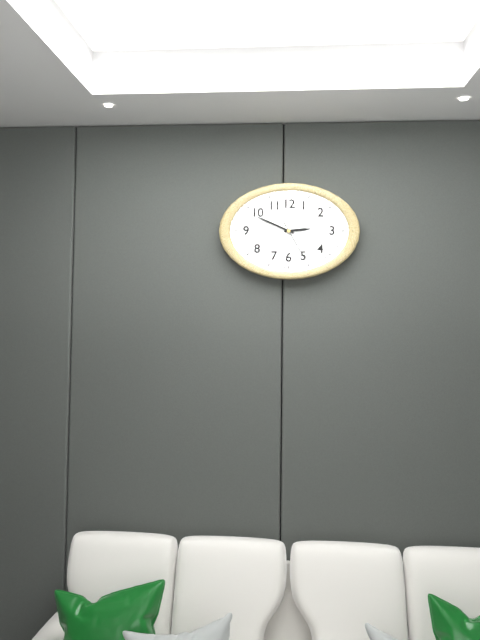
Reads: 2.49
